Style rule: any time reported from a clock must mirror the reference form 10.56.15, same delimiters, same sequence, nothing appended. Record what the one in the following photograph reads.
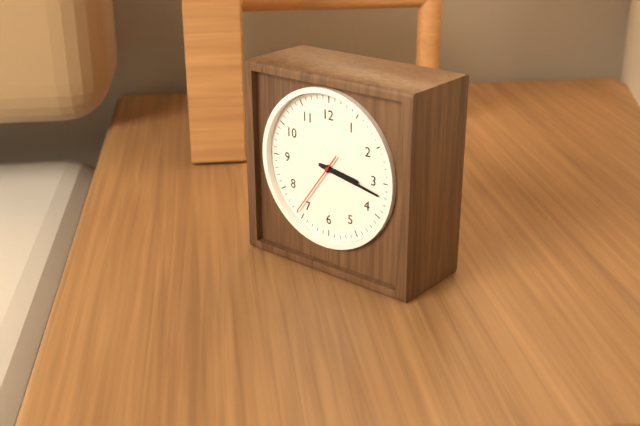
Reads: 3.17.36
